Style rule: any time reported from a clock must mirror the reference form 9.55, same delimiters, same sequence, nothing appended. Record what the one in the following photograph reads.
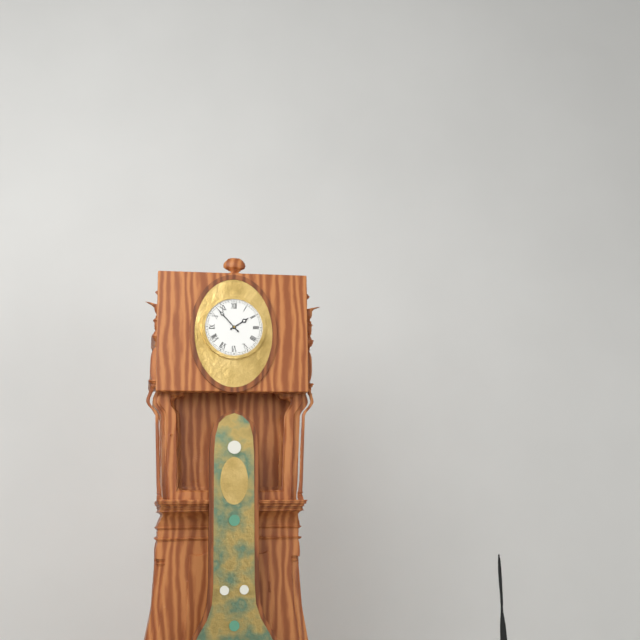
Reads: 1.53
